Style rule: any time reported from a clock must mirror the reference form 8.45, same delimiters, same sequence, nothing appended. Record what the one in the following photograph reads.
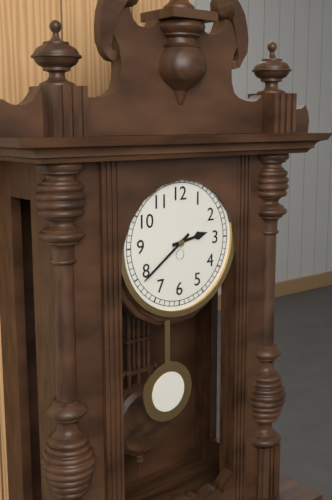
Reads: 2.39
